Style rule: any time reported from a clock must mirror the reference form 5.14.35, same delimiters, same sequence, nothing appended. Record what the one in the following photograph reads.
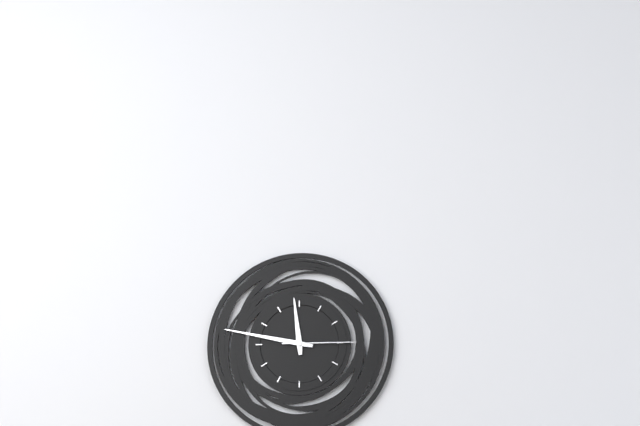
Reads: 11.47.15
